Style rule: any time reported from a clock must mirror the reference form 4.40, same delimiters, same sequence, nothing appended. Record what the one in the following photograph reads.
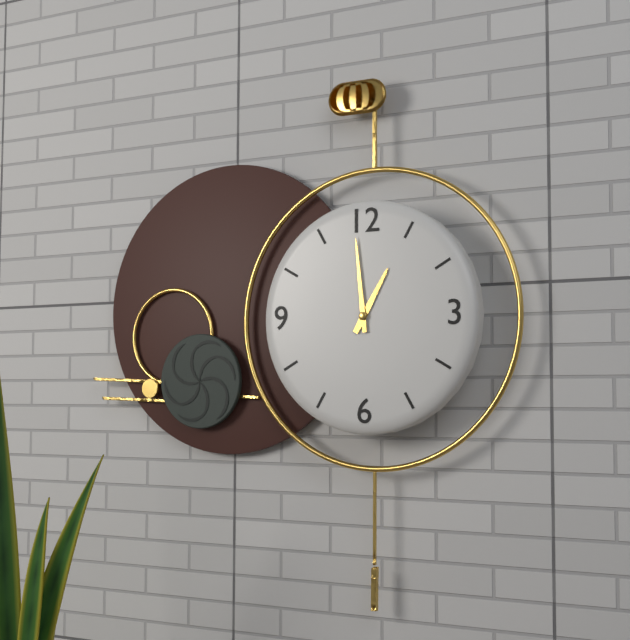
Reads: 12.59
